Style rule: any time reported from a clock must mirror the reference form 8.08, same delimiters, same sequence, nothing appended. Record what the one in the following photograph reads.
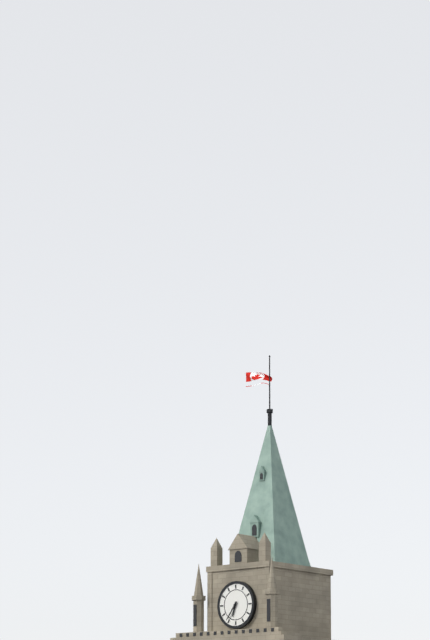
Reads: 6.36
